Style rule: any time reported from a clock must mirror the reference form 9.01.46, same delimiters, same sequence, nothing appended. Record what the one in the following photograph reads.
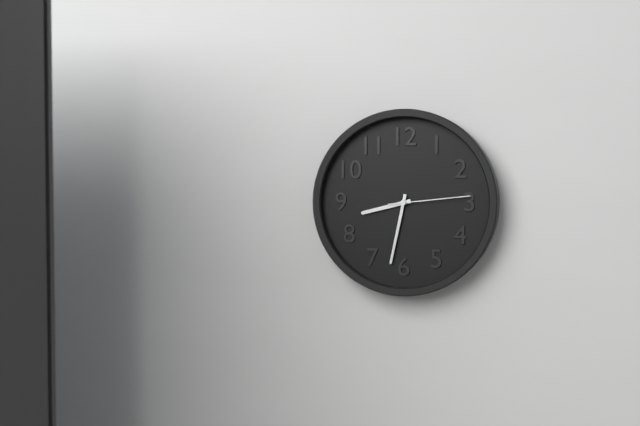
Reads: 8.32.14
